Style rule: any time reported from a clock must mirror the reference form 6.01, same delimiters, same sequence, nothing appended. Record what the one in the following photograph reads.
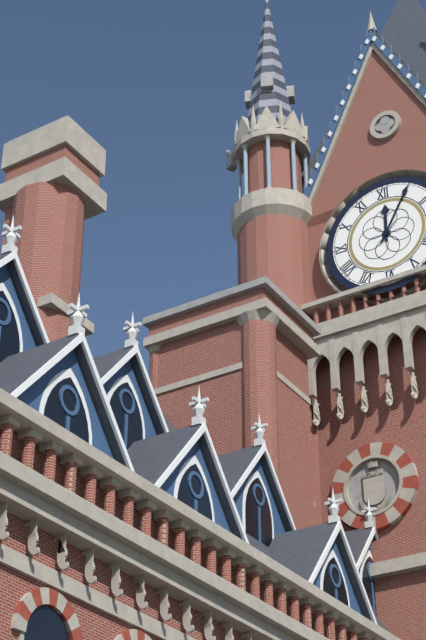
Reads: 12.05
